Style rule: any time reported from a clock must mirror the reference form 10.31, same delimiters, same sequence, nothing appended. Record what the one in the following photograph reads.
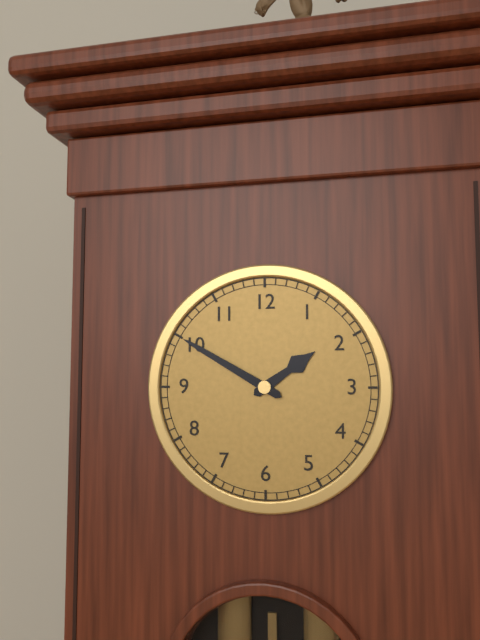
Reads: 1.50
